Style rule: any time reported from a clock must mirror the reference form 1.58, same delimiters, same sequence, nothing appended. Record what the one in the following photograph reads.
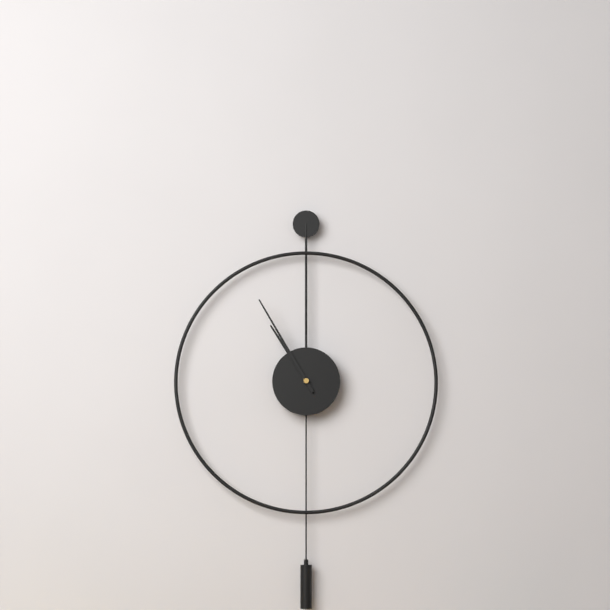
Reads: 10.55
